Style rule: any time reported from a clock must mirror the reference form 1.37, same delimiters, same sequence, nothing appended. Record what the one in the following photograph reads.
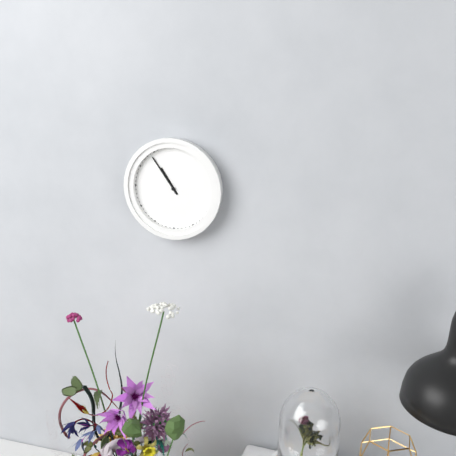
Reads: 10.54
